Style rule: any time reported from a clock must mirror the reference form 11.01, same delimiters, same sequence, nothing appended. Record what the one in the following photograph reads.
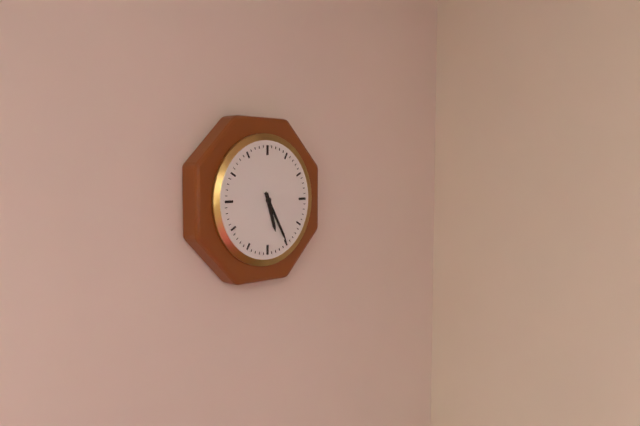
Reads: 5.25
